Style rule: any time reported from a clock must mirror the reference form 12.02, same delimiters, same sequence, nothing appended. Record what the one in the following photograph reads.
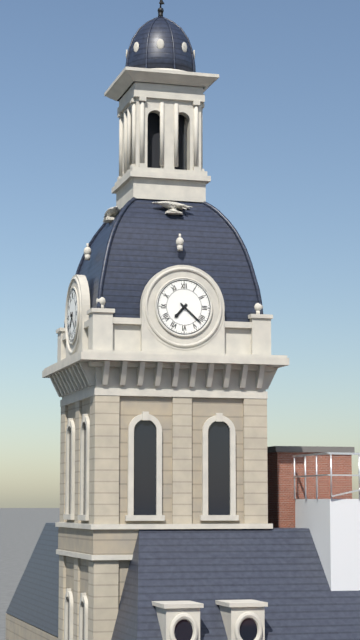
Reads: 7.22
